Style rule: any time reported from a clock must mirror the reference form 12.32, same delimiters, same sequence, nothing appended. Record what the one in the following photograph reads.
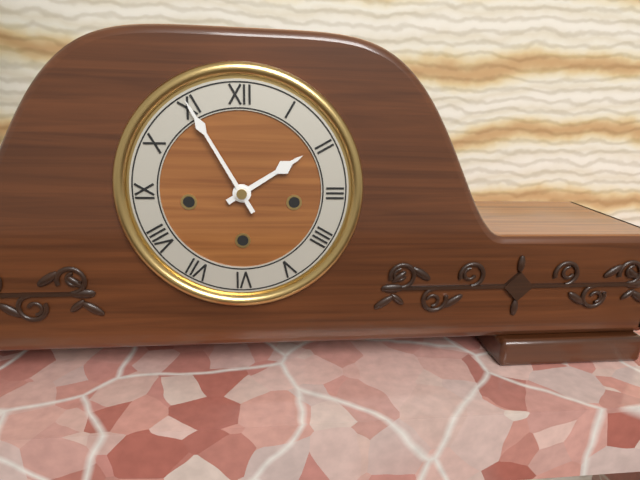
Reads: 1.55
